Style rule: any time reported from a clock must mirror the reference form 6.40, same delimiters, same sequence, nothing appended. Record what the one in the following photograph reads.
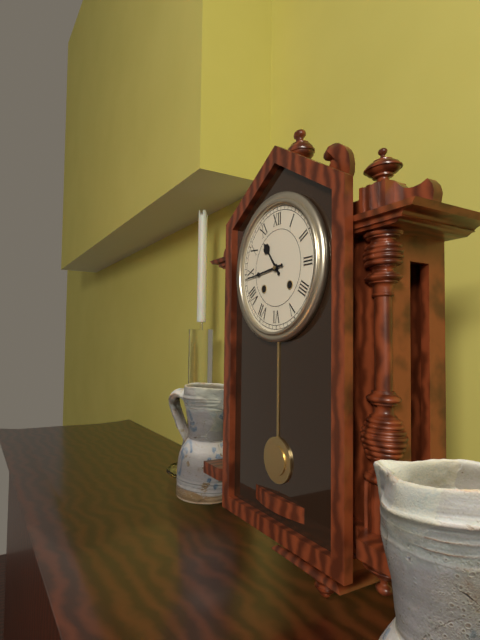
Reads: 10.44
